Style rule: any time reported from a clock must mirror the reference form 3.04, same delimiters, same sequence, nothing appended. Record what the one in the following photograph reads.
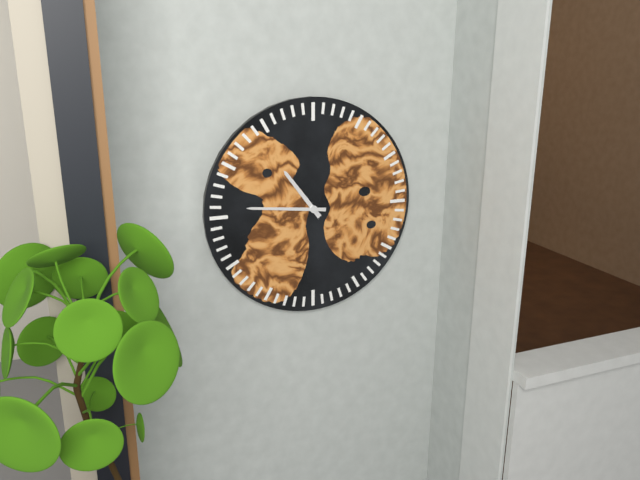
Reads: 10.46
